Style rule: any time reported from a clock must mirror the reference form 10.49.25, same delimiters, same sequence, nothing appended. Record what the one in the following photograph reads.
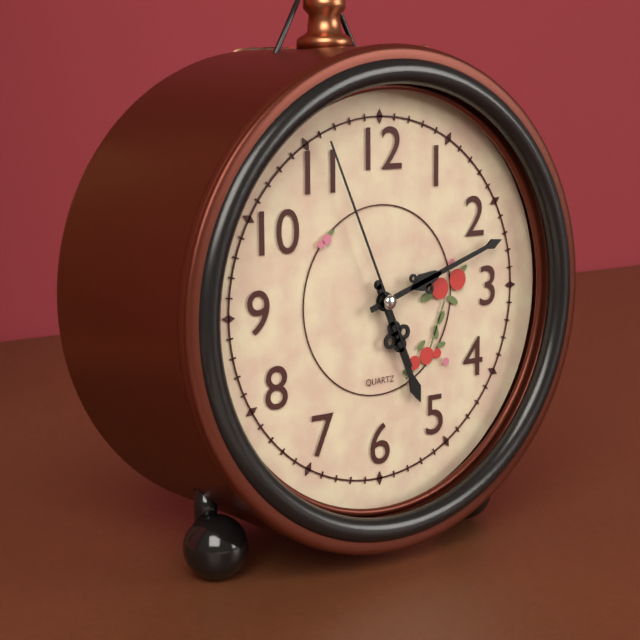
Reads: 5.12.56
